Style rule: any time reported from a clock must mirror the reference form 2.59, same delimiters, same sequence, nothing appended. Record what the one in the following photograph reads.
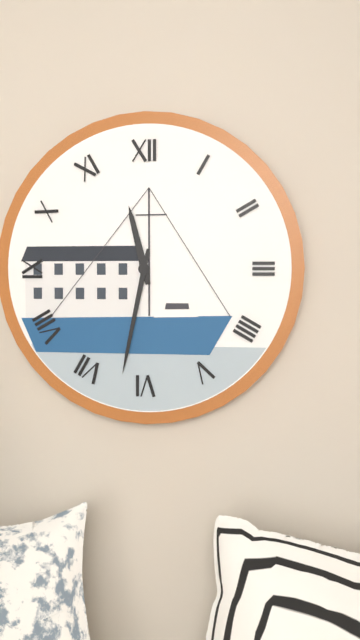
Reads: 11.32
